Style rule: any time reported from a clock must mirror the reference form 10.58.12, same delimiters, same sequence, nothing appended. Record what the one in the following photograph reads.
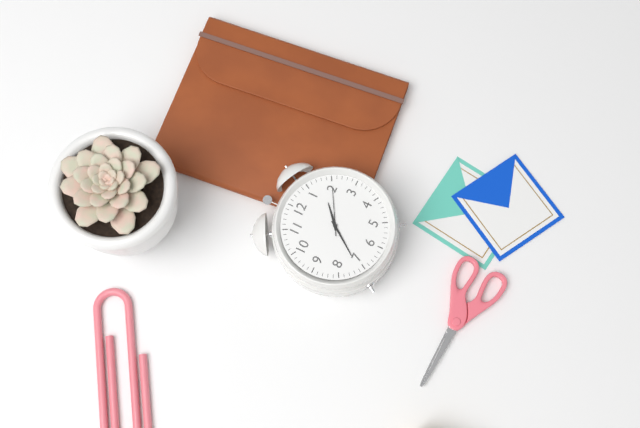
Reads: 1.36.10
